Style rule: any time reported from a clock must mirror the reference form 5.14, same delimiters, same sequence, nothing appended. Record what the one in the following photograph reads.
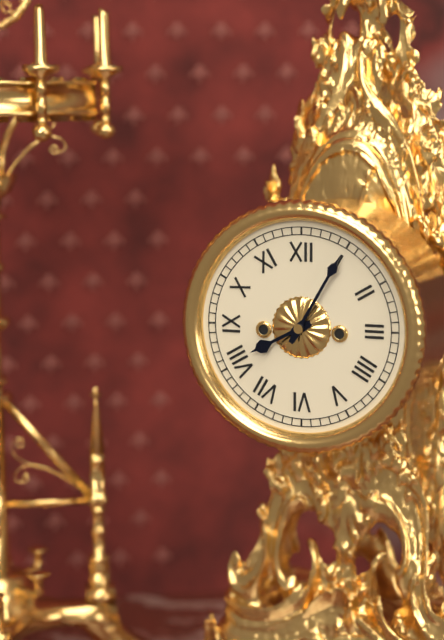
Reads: 8.05
